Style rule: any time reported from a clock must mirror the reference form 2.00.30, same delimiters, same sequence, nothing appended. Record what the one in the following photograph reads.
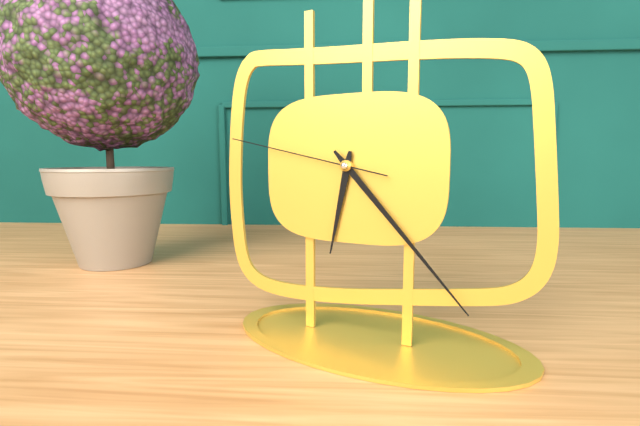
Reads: 6.23.47
